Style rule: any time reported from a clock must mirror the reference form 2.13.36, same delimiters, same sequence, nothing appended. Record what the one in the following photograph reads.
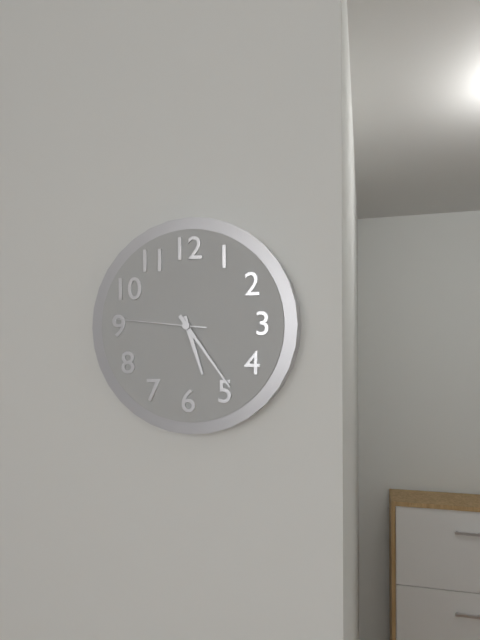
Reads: 5.24.46
